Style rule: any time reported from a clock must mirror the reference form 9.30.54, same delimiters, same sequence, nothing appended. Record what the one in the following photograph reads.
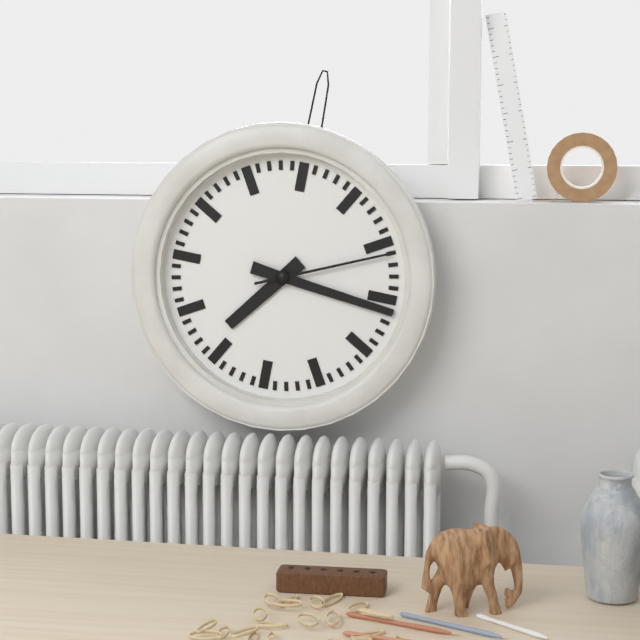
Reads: 7.16.11
